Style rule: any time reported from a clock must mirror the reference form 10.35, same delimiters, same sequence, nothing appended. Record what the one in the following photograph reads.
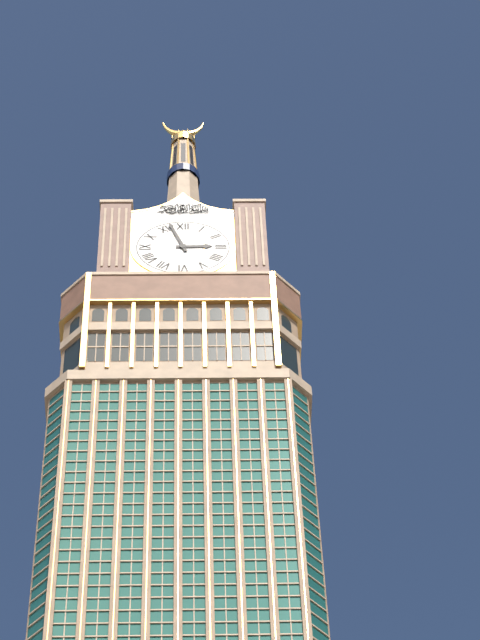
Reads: 2.57
